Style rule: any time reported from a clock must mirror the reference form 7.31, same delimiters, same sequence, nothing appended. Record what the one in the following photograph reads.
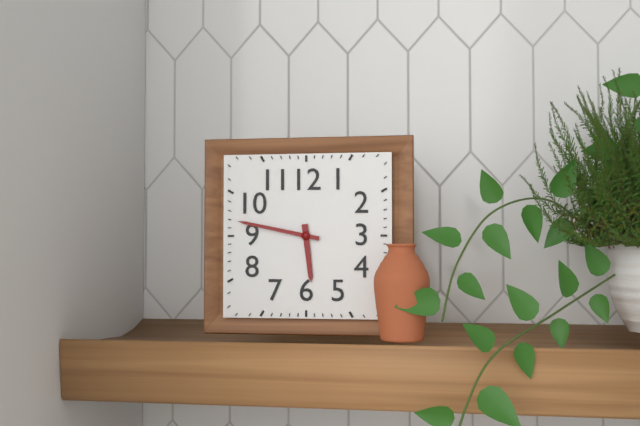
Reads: 5.47
